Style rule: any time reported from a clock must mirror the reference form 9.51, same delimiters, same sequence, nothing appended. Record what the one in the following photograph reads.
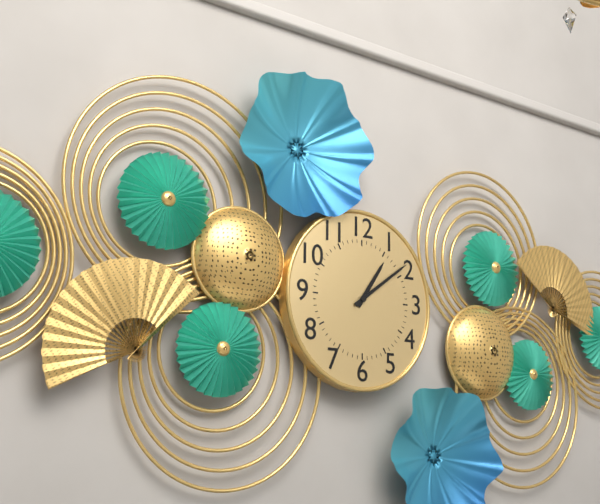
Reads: 1.09
